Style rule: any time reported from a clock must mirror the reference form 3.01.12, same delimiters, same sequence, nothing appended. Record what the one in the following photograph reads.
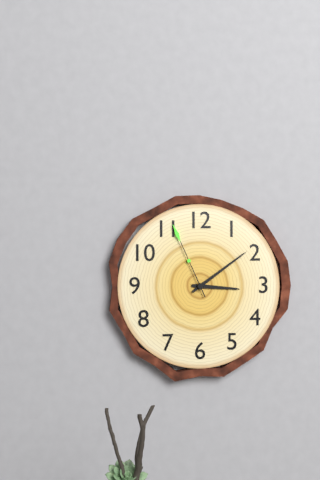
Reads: 3.09.56
